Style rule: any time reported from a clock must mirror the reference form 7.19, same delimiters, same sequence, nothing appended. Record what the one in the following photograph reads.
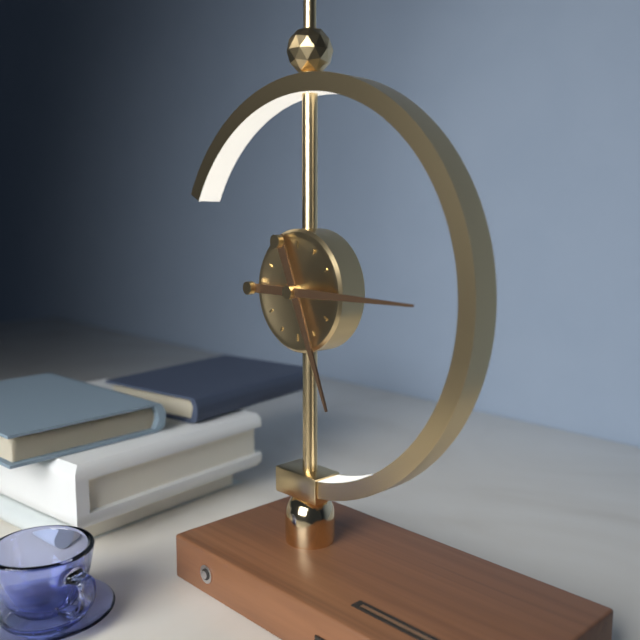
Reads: 5.15
